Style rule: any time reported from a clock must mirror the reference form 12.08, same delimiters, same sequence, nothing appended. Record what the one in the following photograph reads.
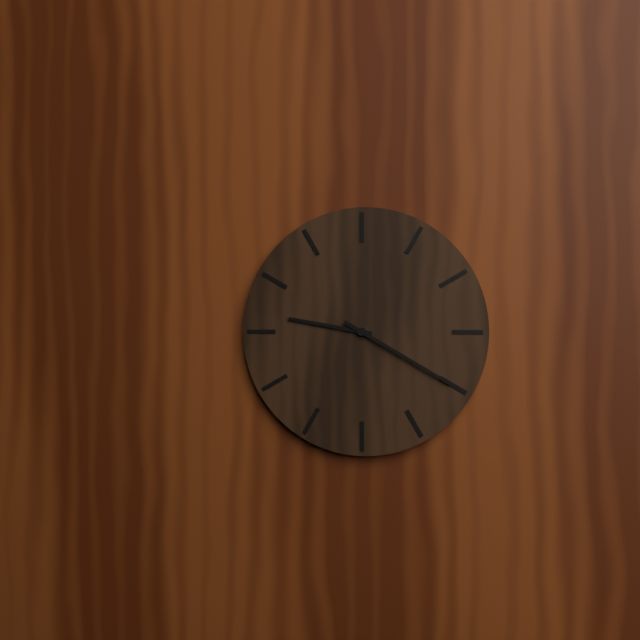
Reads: 9.20
